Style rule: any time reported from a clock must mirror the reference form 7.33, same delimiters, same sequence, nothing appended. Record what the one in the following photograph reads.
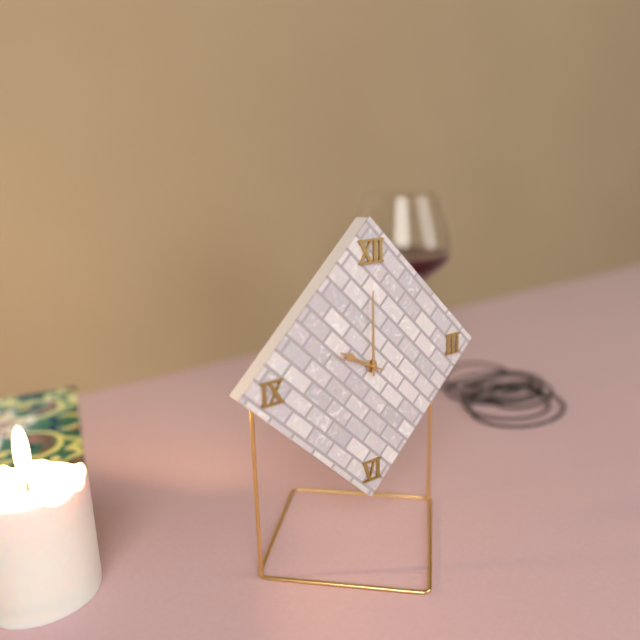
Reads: 10.00
